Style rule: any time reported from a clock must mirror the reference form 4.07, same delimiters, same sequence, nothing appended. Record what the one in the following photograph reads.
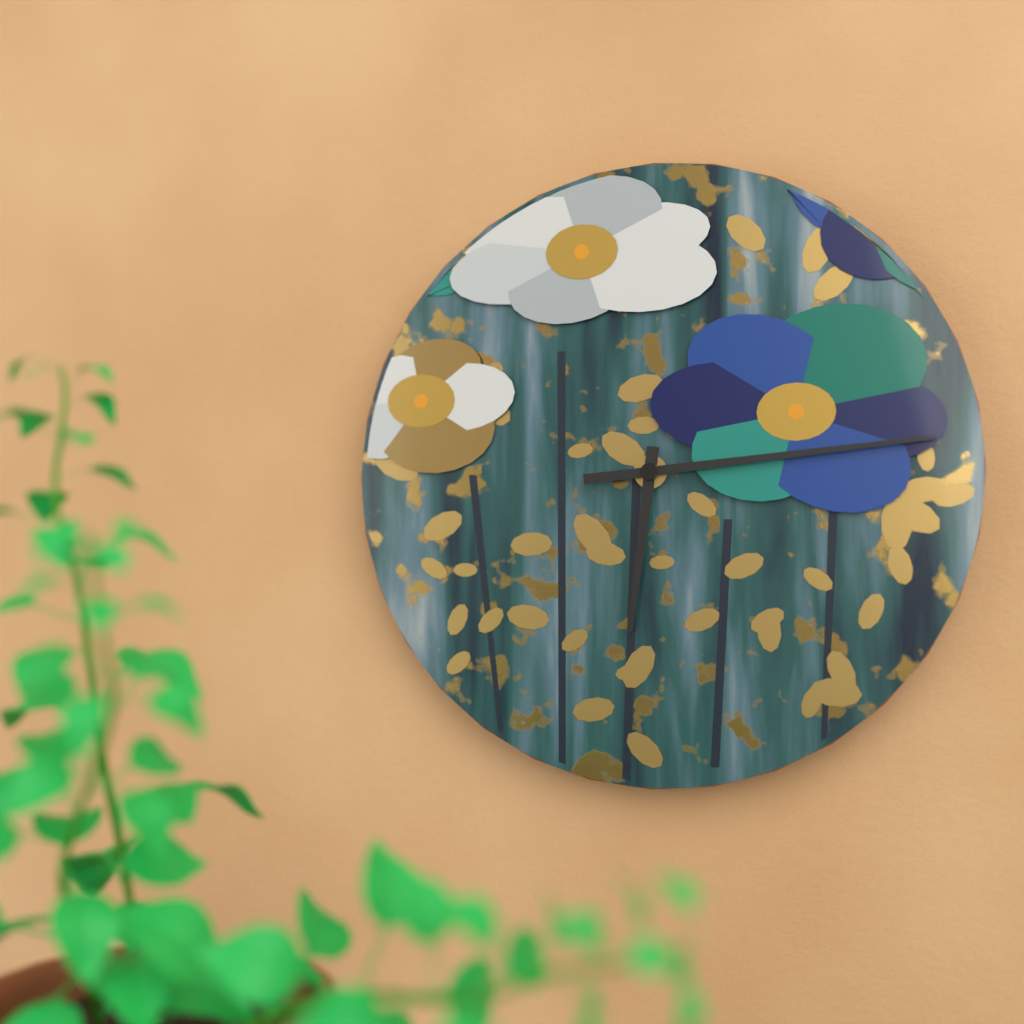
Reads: 6.14
